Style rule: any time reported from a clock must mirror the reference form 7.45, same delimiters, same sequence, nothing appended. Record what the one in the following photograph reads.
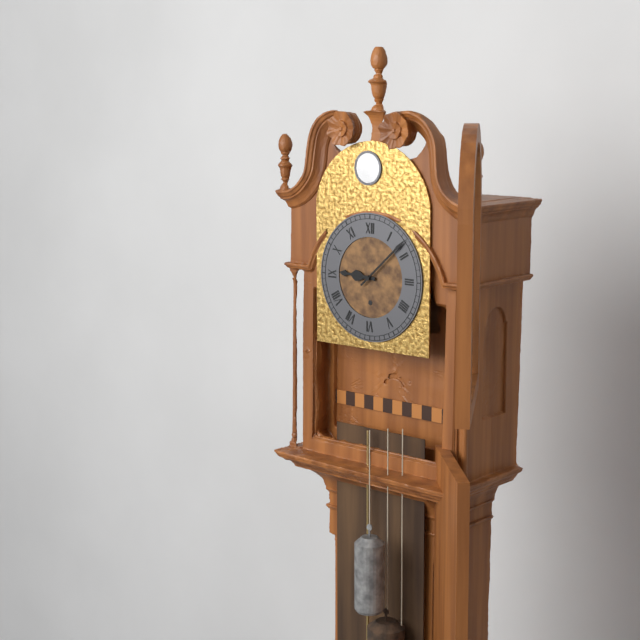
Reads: 9.08
